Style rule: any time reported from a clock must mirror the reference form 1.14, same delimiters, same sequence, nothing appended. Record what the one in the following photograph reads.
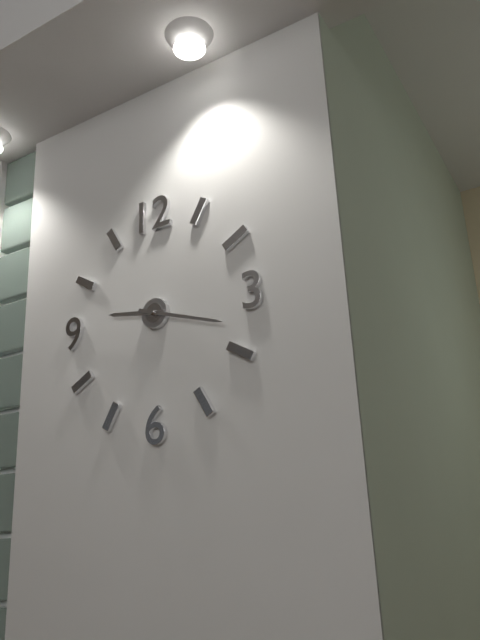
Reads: 9.18
